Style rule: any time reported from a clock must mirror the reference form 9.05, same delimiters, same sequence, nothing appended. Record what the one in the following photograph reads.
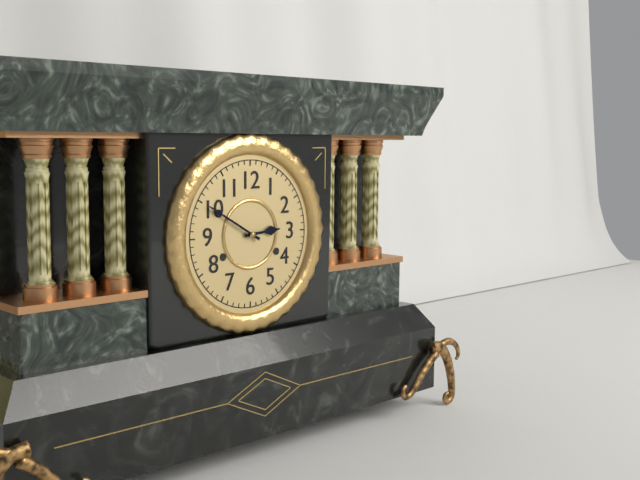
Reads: 2.50
